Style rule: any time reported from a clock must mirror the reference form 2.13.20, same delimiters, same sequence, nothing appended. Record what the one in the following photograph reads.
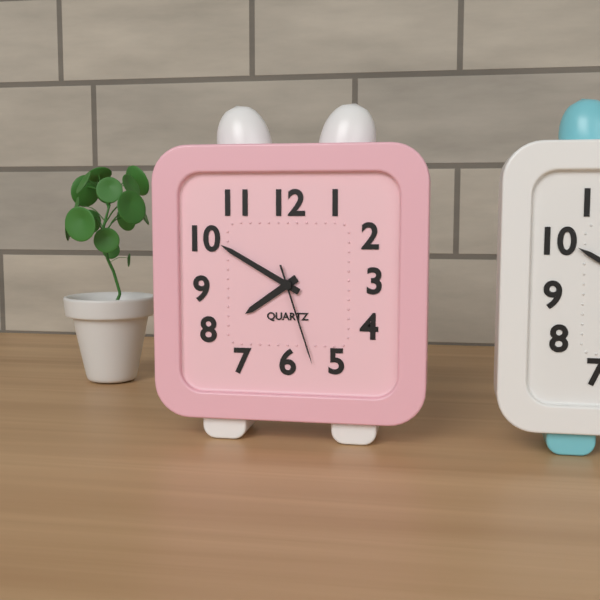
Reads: 7.50.27
